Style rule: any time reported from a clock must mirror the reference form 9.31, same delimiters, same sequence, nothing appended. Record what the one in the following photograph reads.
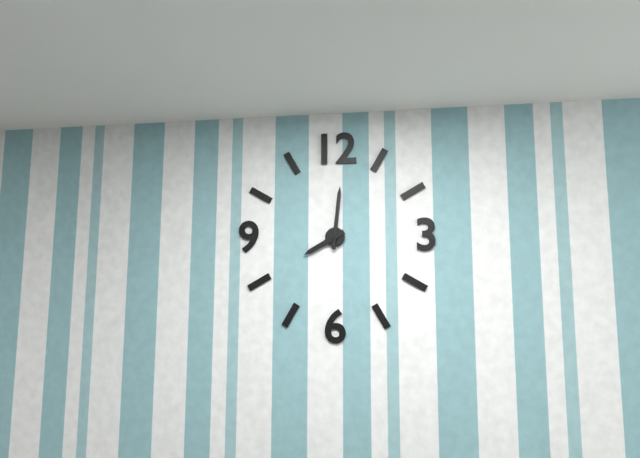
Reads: 8.01
